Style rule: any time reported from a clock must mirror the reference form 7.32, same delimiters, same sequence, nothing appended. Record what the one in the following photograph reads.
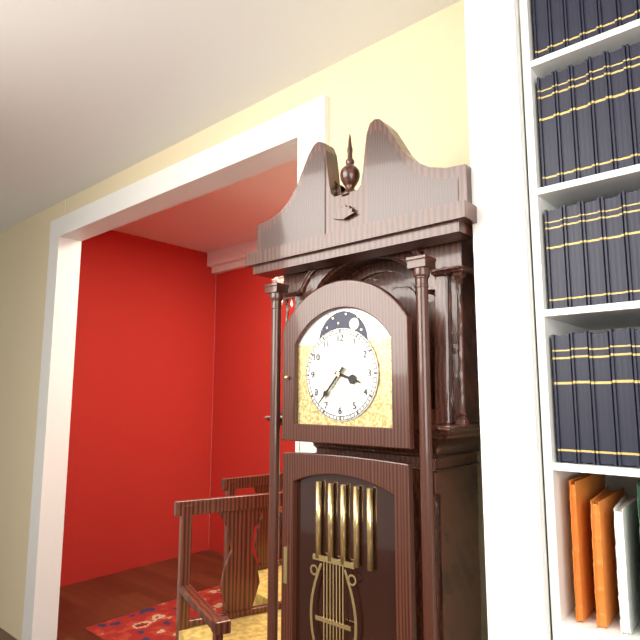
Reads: 3.37
